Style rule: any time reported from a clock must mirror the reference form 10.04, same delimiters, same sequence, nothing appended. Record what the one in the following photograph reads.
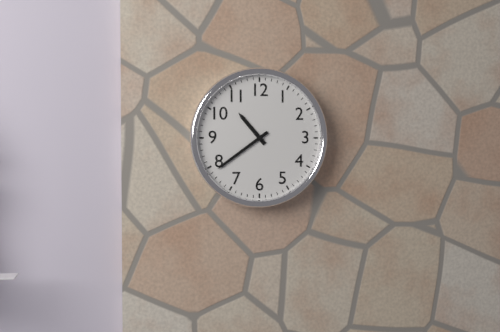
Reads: 10.39
